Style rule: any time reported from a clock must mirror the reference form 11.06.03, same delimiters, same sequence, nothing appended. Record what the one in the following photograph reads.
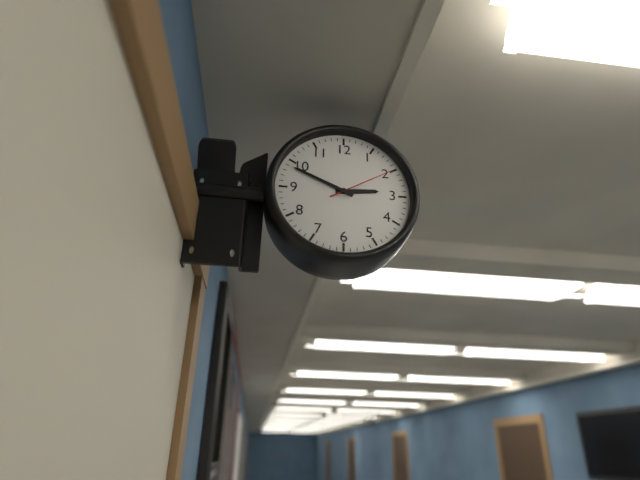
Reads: 2.49.10
